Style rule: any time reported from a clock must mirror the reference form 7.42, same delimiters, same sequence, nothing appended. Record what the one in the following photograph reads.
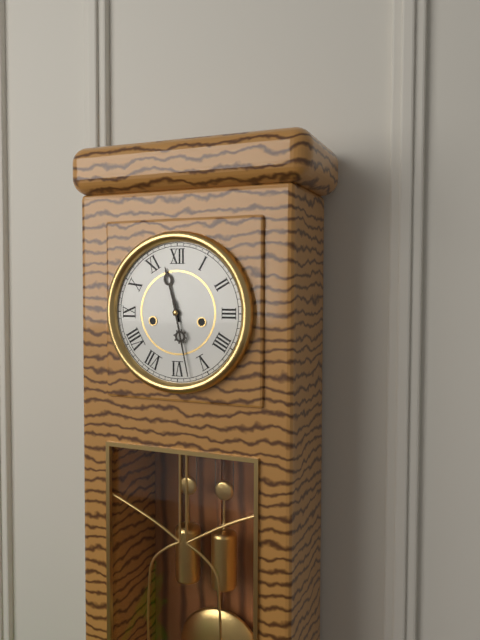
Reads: 11.28
